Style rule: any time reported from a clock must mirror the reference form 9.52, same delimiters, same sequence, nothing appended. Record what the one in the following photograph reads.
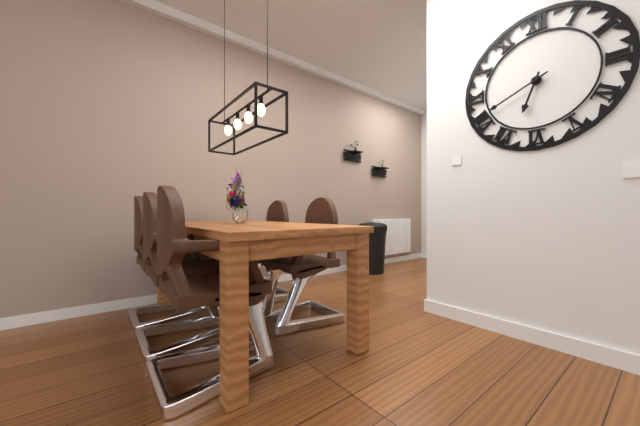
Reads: 6.41
